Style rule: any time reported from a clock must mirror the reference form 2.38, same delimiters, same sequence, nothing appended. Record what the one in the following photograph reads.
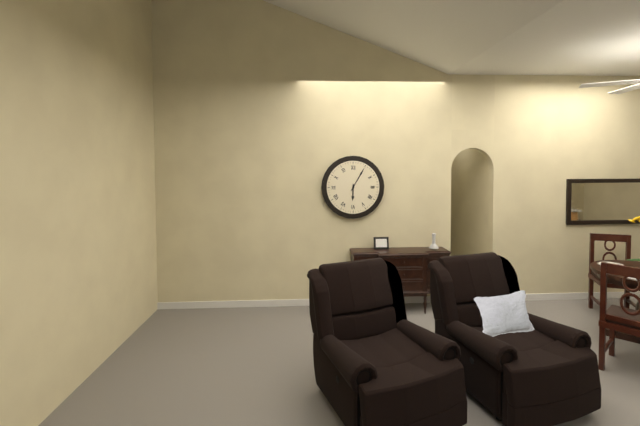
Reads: 6.05
